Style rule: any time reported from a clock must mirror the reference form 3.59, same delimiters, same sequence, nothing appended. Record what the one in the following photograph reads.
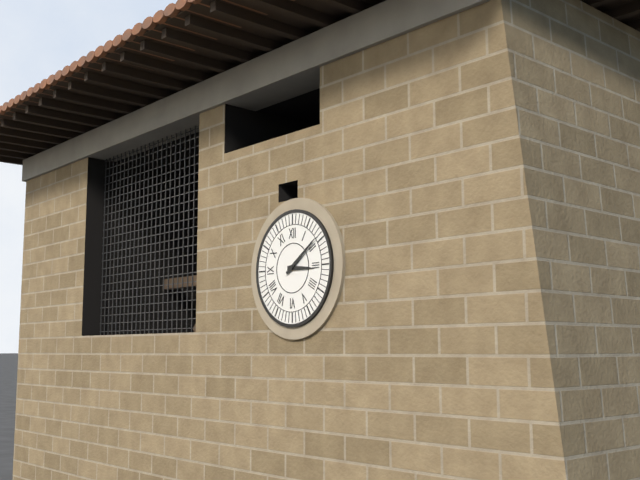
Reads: 3.09
